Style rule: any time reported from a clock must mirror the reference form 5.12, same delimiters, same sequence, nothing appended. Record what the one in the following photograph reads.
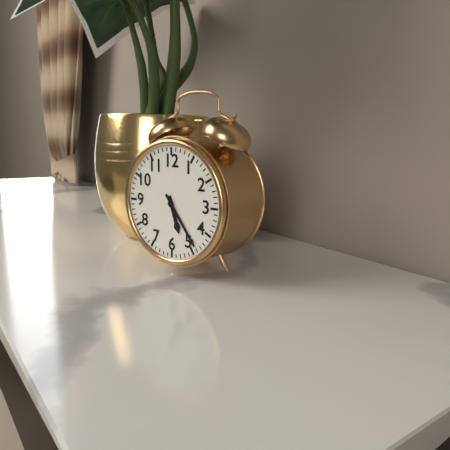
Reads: 5.24
